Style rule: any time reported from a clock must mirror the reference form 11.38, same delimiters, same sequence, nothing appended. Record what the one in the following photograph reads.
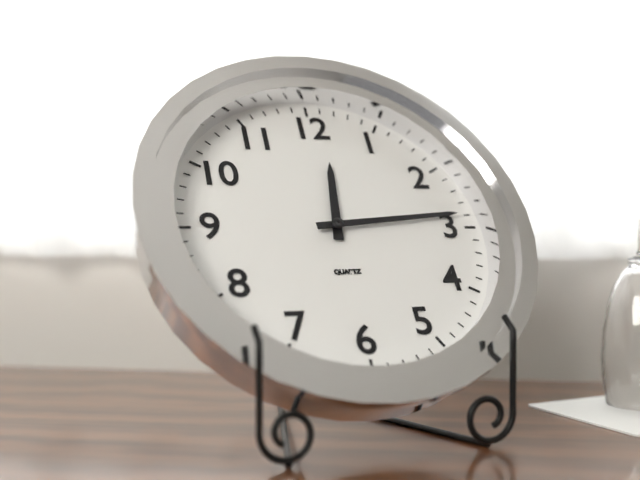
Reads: 12.14
